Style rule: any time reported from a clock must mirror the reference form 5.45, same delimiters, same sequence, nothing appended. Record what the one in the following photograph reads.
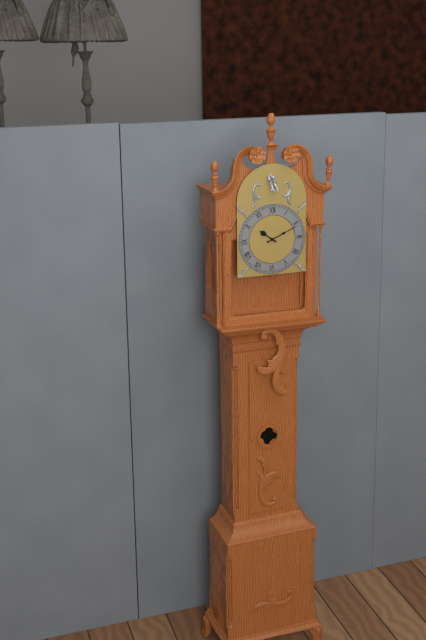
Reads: 10.11
